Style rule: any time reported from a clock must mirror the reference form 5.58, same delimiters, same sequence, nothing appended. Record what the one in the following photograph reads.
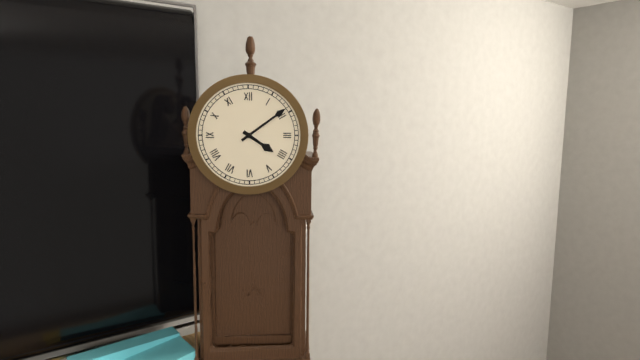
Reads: 4.09
